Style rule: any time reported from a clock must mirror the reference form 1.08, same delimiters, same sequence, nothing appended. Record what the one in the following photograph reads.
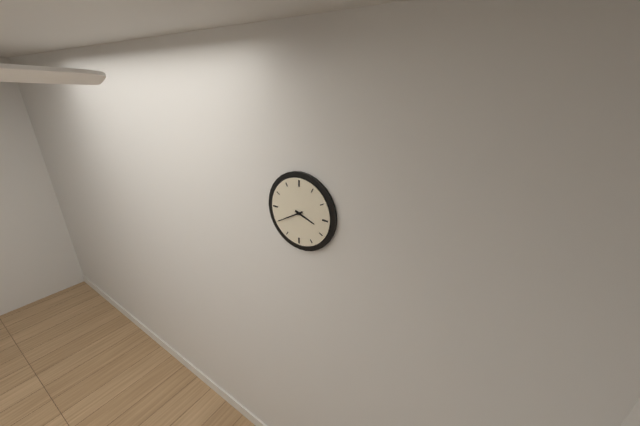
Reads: 3.40
